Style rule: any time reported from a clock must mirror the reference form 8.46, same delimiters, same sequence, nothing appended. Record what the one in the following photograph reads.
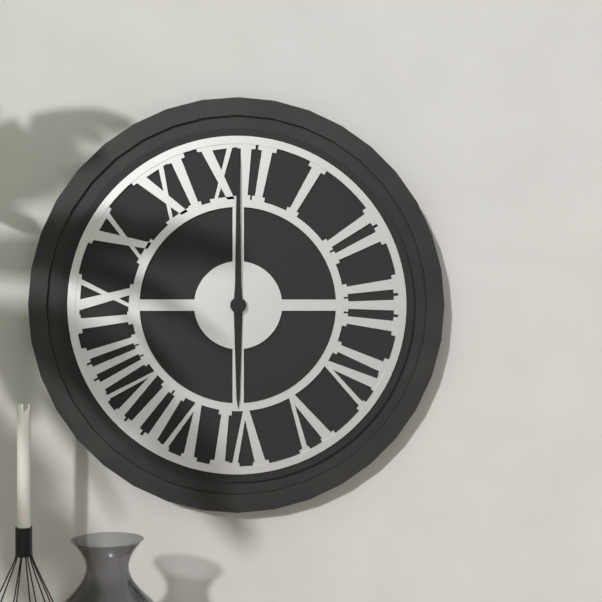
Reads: 6.00
